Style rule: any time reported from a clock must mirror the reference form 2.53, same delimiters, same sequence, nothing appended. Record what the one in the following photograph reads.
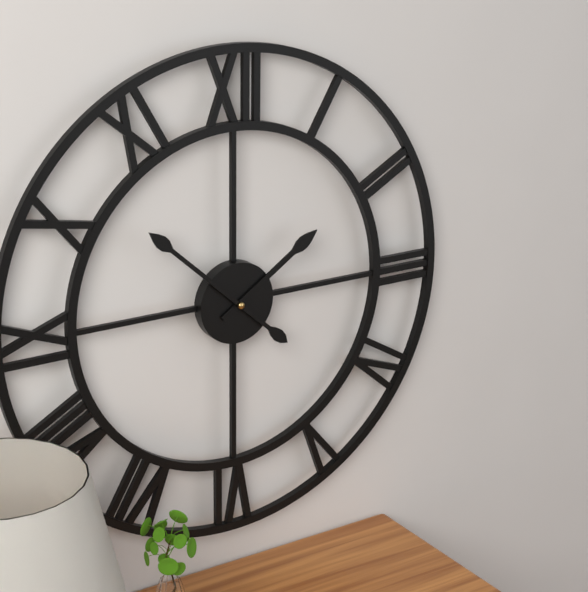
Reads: 1.52
